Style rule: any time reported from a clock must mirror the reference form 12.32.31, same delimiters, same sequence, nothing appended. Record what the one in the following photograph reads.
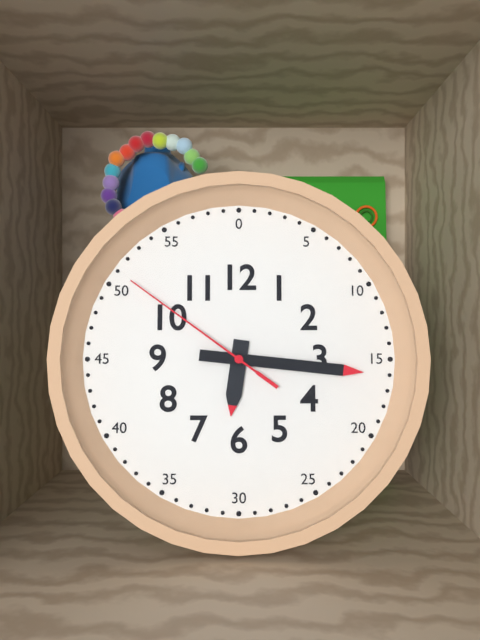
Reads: 6.16.51
